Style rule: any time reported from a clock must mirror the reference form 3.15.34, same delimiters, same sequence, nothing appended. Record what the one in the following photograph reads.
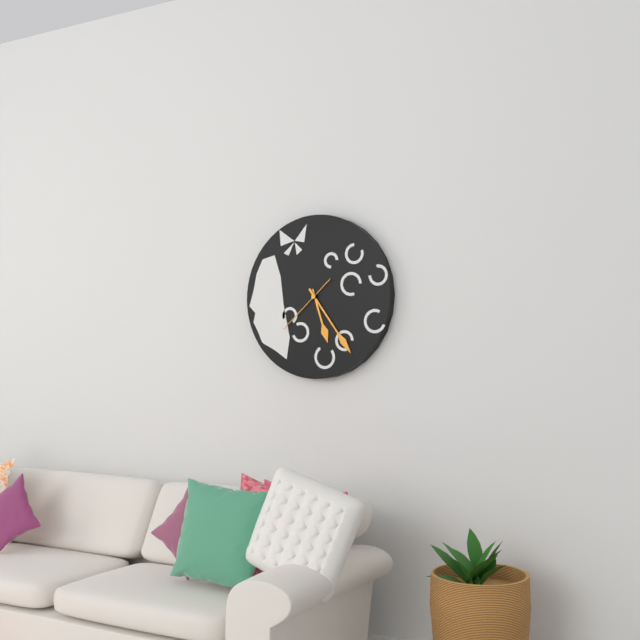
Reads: 5.24.38
